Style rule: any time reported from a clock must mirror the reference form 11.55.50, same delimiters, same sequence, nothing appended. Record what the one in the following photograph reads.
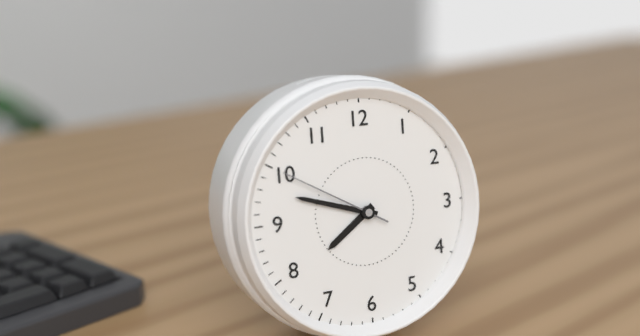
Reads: 7.48.50
